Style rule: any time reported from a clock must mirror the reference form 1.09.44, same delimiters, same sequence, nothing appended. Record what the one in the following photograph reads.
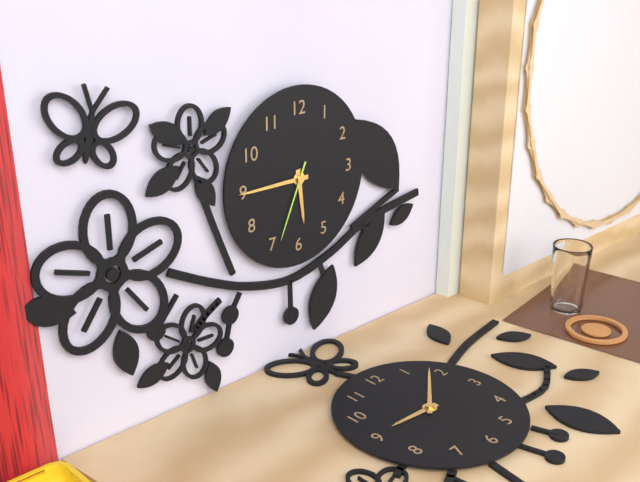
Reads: 5.45.34
